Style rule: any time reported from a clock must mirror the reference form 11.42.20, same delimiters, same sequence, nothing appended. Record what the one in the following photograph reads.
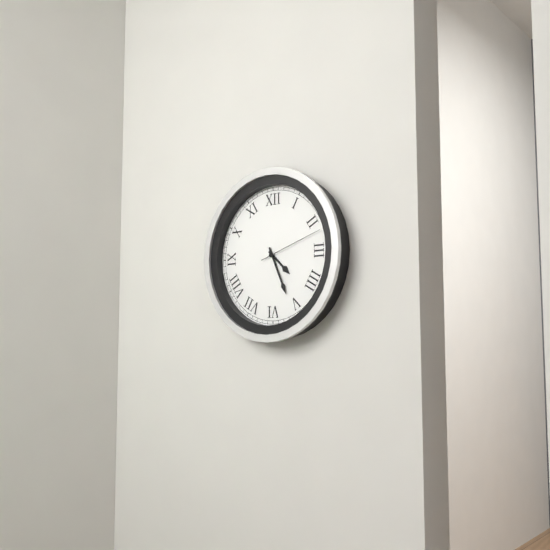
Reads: 4.26.12
